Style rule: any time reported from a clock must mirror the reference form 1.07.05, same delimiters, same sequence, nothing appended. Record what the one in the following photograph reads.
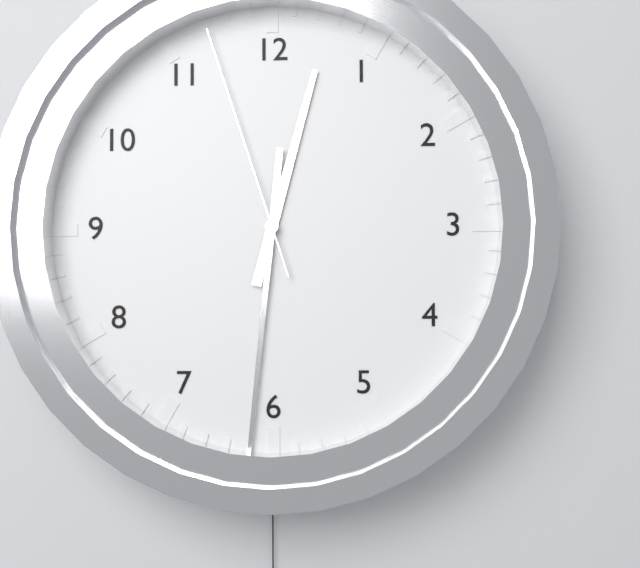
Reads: 12.31.57
